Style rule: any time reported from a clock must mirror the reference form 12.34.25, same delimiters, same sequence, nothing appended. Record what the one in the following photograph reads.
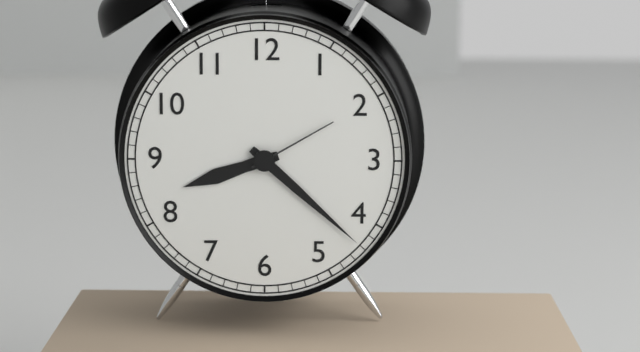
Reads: 8.22.10
